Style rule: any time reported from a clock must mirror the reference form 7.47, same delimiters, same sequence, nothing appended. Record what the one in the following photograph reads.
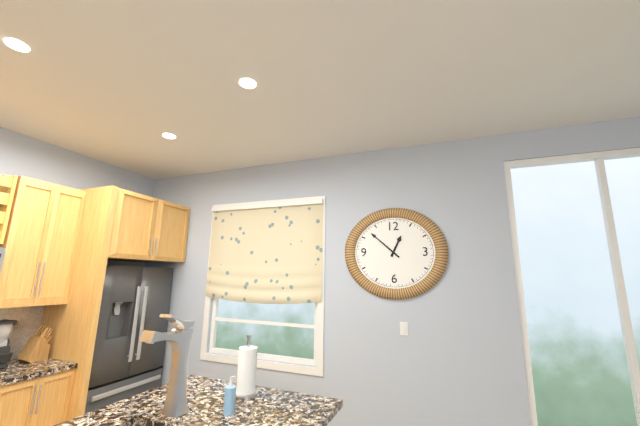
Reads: 12.52
